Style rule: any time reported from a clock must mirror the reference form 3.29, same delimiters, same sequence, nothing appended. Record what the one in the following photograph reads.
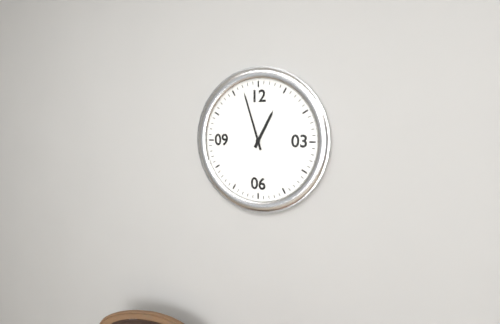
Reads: 12.57
